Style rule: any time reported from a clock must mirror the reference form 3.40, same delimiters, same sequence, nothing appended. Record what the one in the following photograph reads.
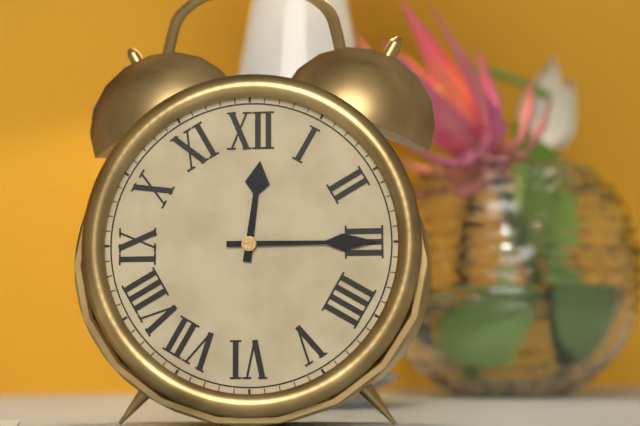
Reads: 12.15
